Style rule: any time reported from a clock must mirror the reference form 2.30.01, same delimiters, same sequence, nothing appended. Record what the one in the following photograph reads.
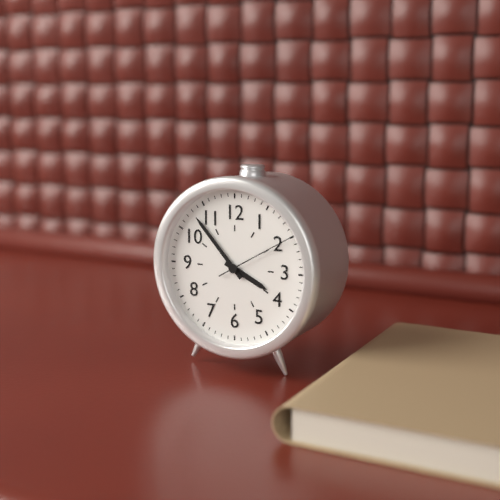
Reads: 3.53.10
